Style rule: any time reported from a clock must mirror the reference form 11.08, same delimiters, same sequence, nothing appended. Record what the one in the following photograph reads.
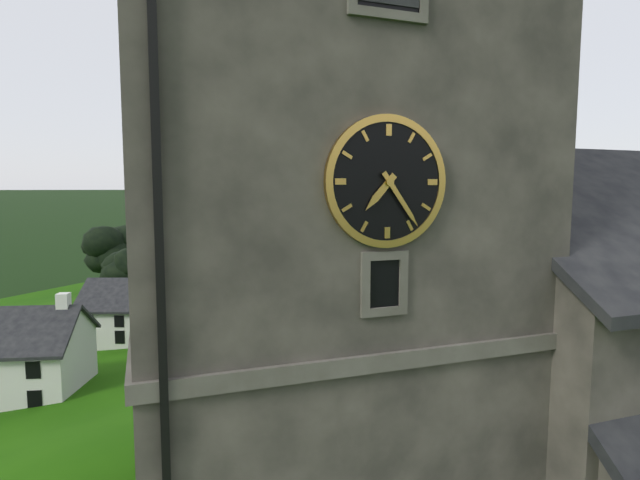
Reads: 7.24
